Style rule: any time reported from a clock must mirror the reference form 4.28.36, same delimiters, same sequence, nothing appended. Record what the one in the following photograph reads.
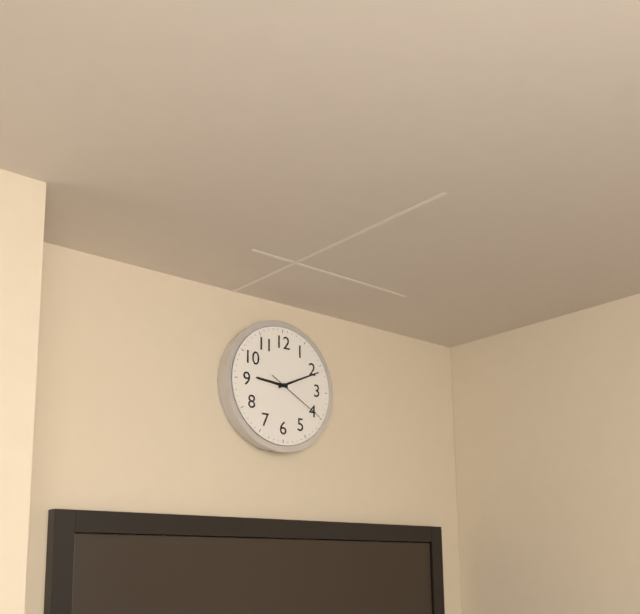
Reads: 9.11.20
